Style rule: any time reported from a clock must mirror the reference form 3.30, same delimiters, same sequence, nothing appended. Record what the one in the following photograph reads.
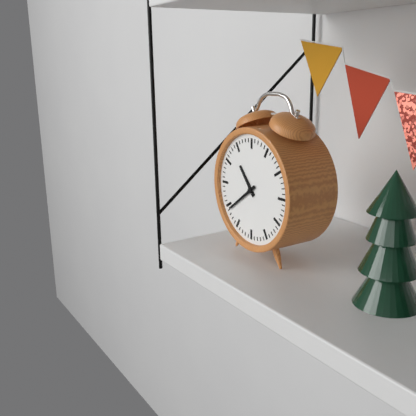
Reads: 10.39
